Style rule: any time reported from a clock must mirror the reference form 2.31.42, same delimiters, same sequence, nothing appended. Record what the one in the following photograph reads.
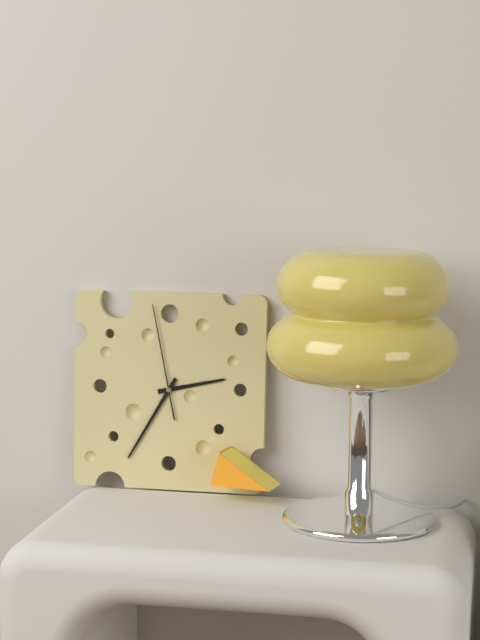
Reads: 2.35.58
